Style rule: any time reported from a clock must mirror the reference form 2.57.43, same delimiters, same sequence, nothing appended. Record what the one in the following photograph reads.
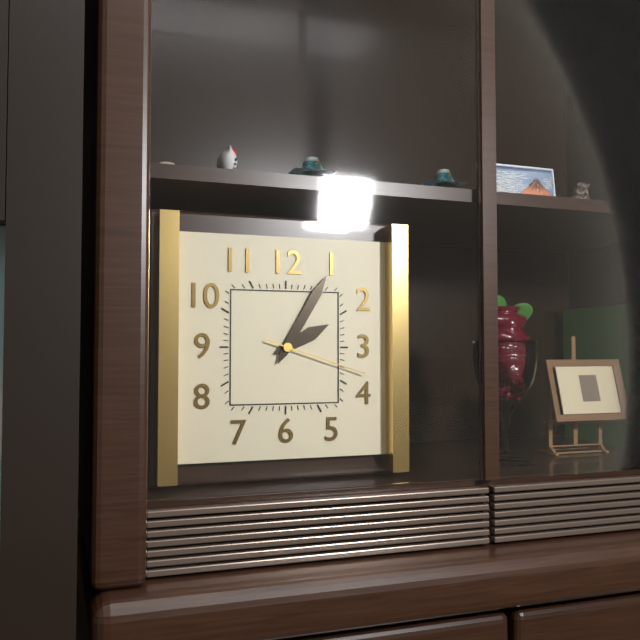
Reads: 2.05.18
